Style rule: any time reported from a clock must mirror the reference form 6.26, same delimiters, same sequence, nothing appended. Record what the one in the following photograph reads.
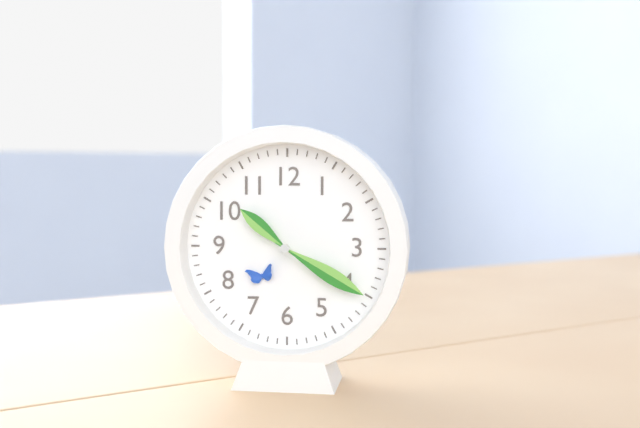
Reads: 10.20
